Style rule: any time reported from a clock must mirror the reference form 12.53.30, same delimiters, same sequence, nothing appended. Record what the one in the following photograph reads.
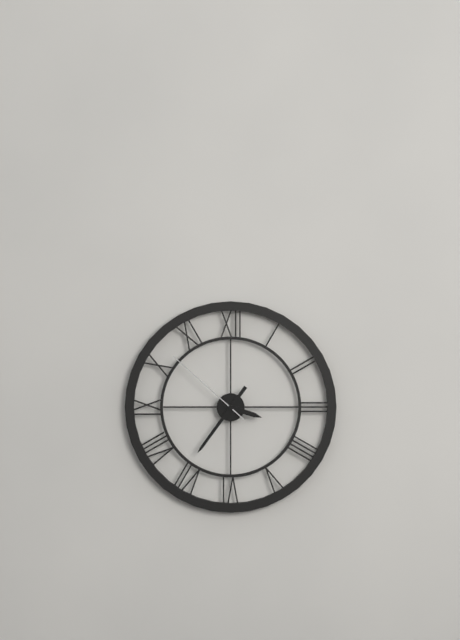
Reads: 3.36.52
